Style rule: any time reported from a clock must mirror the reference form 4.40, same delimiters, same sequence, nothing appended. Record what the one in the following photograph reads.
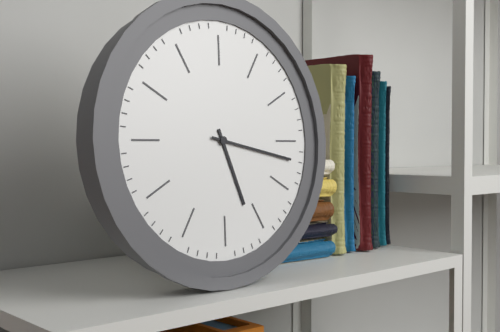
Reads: 5.17
